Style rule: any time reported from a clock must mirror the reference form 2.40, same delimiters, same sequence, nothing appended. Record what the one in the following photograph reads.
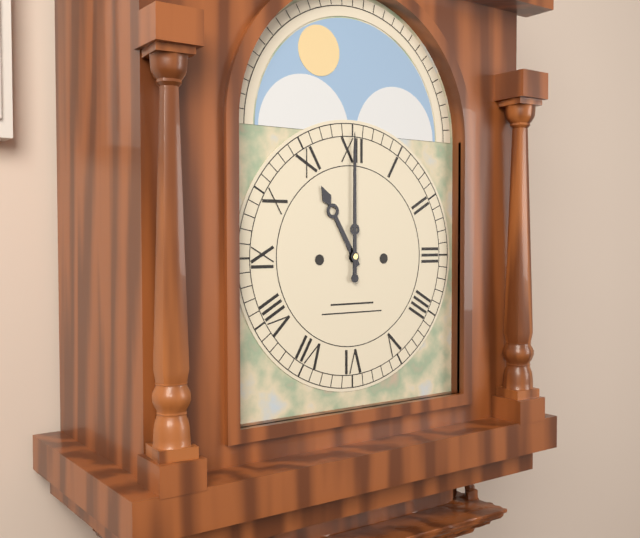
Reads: 11.00
